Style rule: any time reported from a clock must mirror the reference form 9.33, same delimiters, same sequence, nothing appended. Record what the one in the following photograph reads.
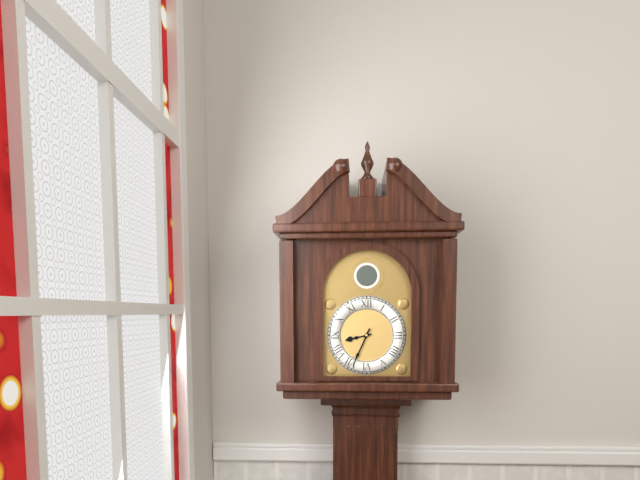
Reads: 8.34
